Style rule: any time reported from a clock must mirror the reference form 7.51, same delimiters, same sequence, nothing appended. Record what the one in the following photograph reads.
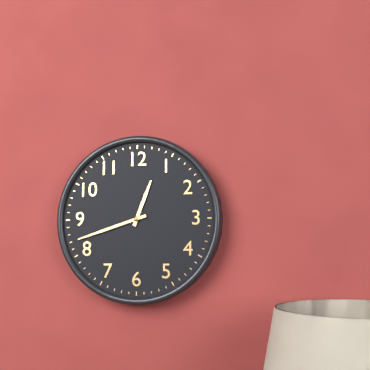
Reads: 12.42
